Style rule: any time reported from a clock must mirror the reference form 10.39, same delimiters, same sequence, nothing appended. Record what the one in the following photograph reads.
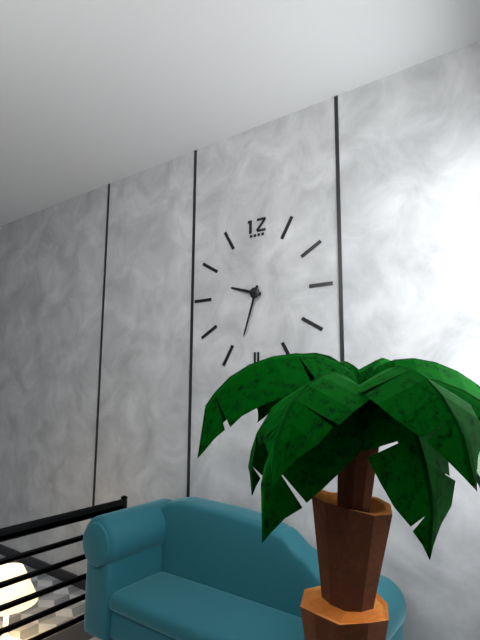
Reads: 9.33
